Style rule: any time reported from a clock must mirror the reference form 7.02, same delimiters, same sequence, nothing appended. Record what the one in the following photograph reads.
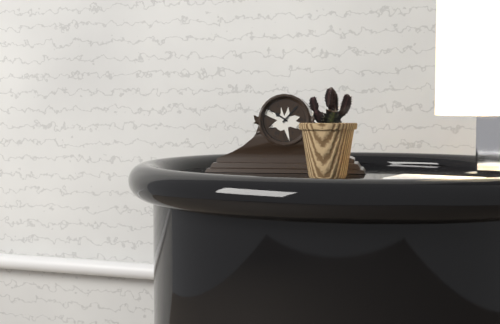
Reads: 10.07
